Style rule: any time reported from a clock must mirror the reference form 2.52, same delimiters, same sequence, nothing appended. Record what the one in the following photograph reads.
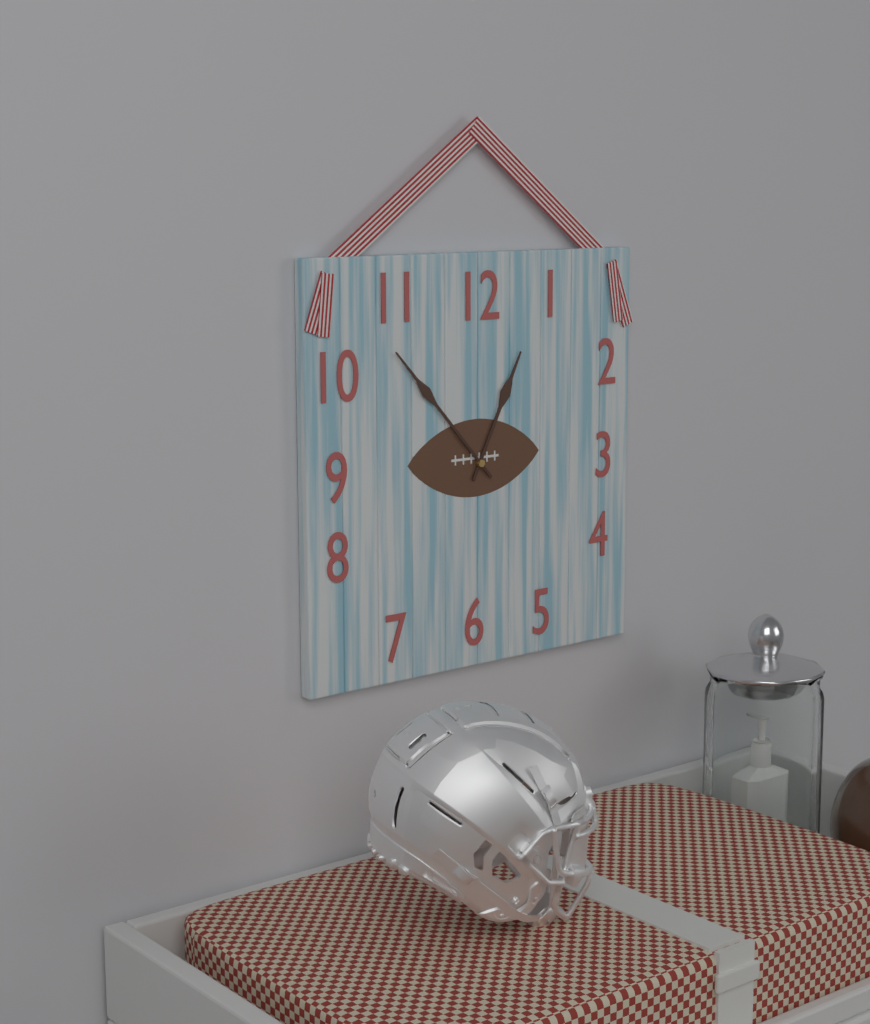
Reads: 12.53
